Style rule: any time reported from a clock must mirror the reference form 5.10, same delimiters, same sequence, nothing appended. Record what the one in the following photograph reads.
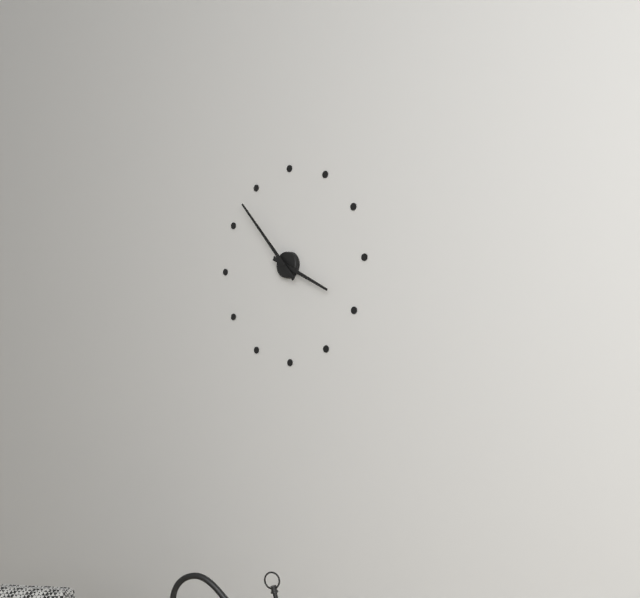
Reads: 3.53
